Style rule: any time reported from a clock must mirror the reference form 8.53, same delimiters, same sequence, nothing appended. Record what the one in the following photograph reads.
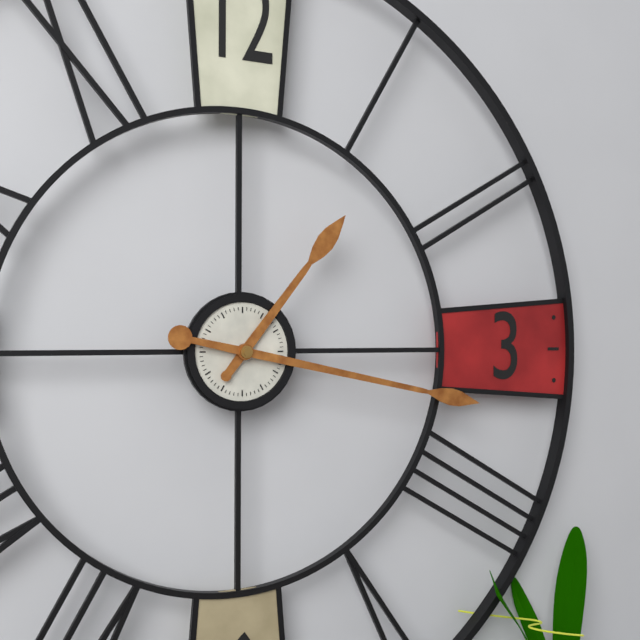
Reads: 1.17
